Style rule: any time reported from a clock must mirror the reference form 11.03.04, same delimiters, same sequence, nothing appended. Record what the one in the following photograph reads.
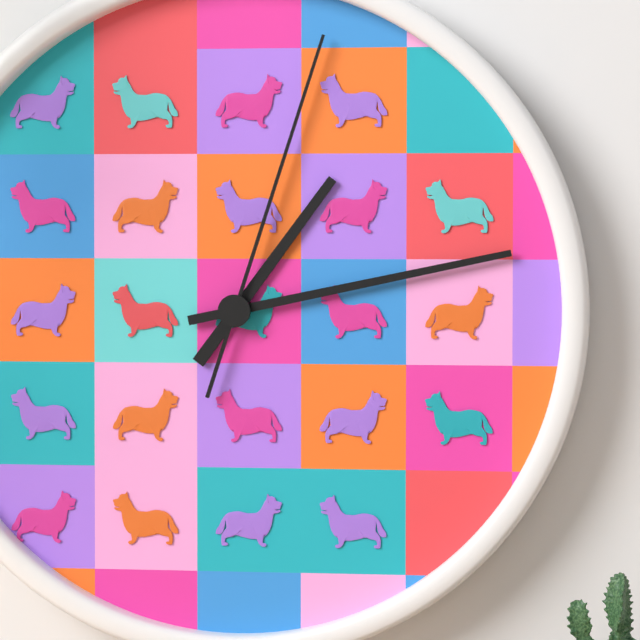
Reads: 1.13.03
